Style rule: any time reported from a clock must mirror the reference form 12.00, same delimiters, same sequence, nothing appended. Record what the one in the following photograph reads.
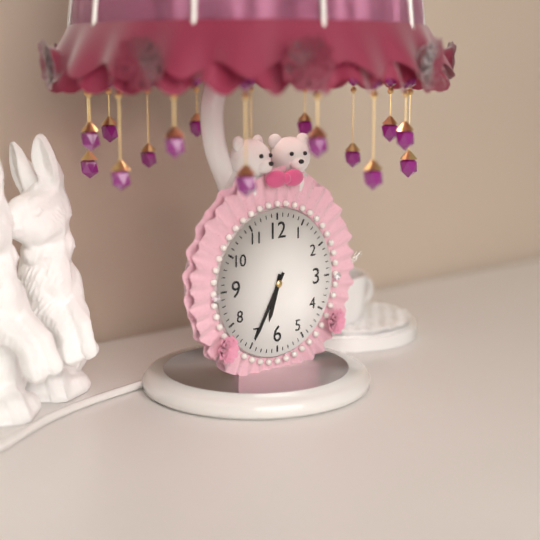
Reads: 6.35
